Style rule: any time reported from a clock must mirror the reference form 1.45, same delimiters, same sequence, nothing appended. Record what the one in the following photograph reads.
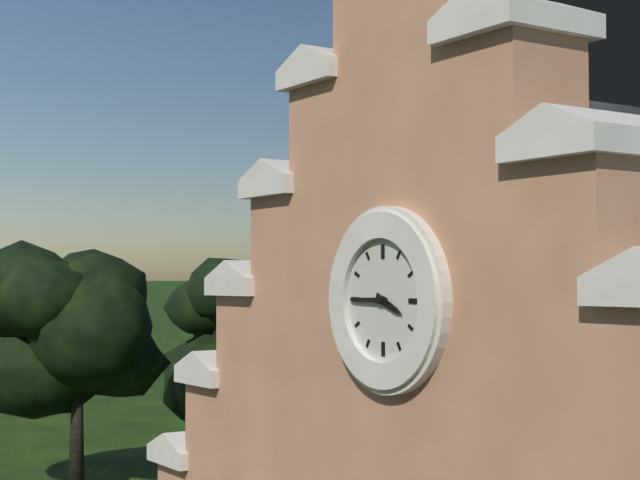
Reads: 3.45
